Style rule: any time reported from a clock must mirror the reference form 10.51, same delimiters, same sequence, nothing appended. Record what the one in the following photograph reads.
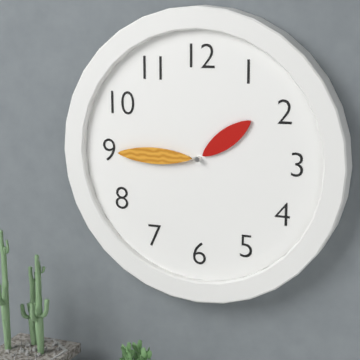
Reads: 1.45
